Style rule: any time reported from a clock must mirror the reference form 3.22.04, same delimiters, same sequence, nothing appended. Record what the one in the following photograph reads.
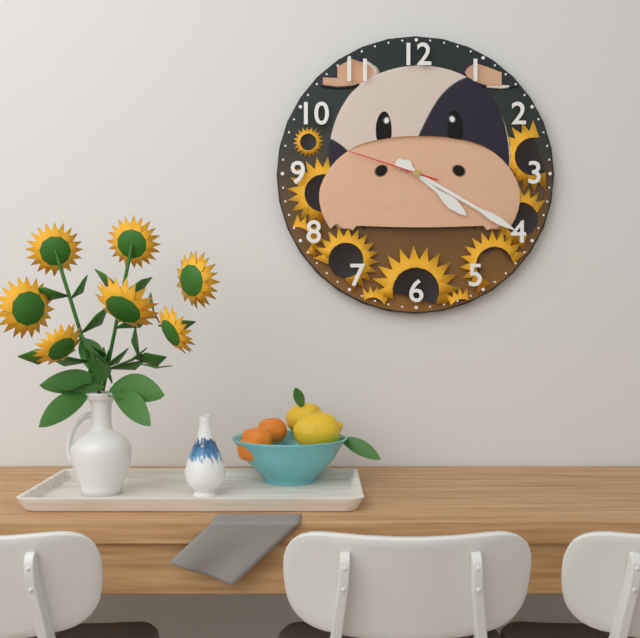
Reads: 4.20.48
